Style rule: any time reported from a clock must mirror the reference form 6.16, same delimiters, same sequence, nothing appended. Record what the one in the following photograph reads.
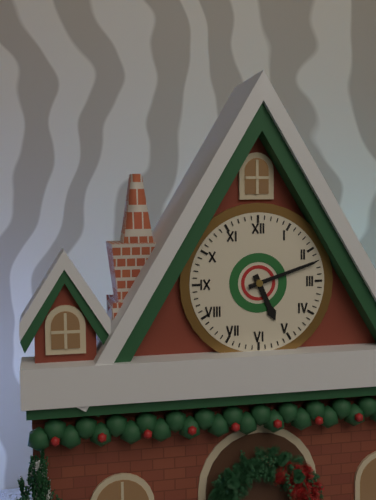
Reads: 5.12
